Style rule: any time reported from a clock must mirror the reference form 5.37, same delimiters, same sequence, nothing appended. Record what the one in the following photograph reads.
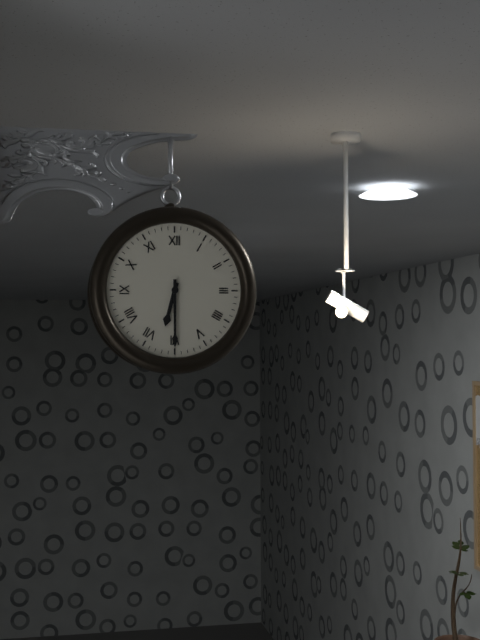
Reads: 6.30
